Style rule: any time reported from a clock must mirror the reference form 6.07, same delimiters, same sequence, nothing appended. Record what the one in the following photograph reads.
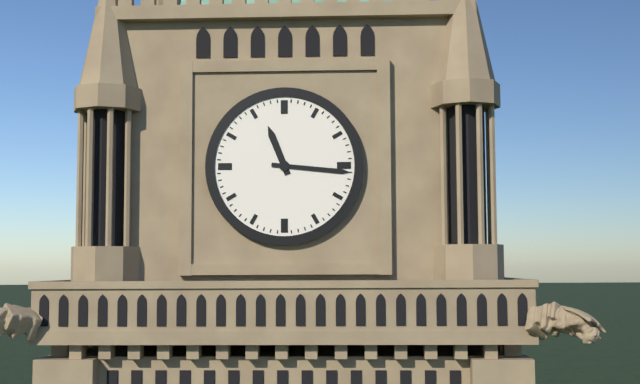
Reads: 11.16
